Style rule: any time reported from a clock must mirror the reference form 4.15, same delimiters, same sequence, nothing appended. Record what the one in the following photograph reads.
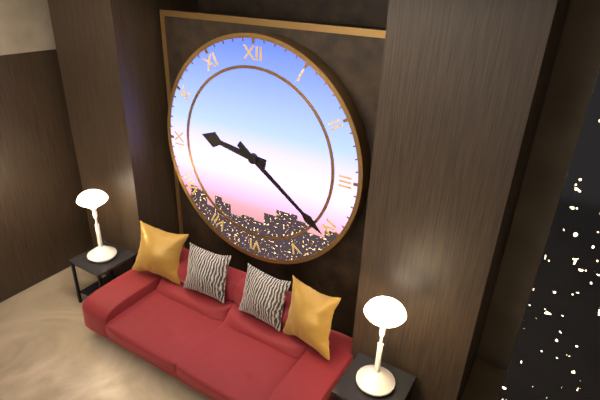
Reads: 9.21
